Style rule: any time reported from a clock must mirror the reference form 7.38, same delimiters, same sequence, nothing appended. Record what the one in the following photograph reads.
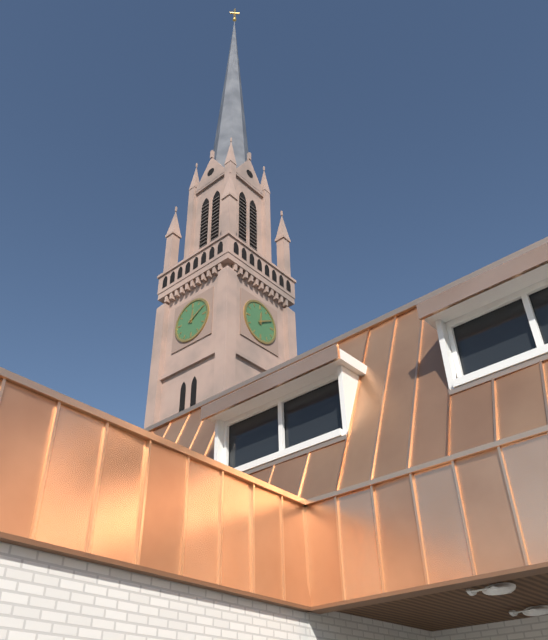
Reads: 12.10
